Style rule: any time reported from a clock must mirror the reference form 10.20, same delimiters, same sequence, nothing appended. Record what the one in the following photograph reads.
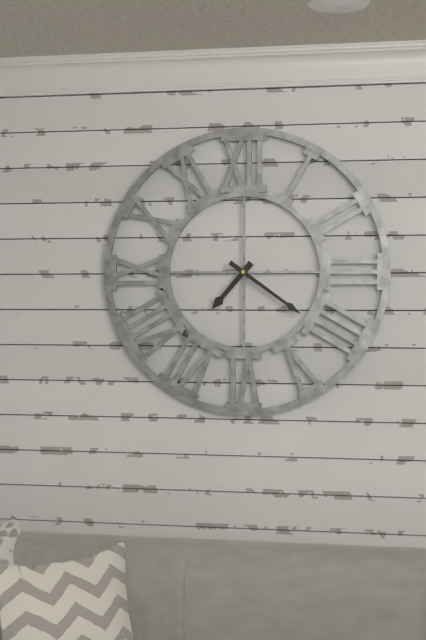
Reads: 7.21
